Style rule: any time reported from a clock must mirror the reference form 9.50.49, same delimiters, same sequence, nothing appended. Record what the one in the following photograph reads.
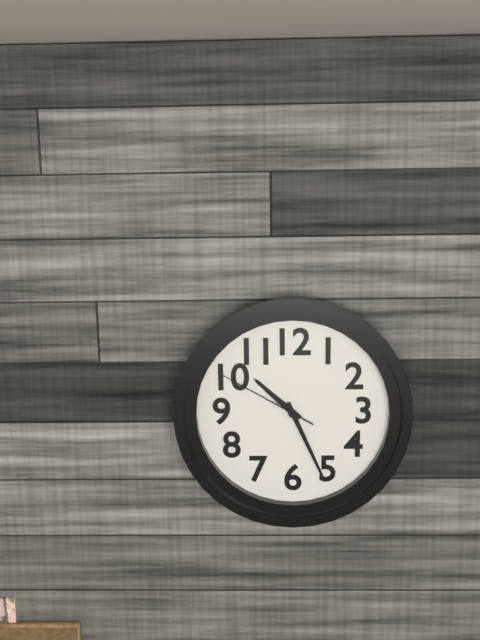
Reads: 10.26.50
